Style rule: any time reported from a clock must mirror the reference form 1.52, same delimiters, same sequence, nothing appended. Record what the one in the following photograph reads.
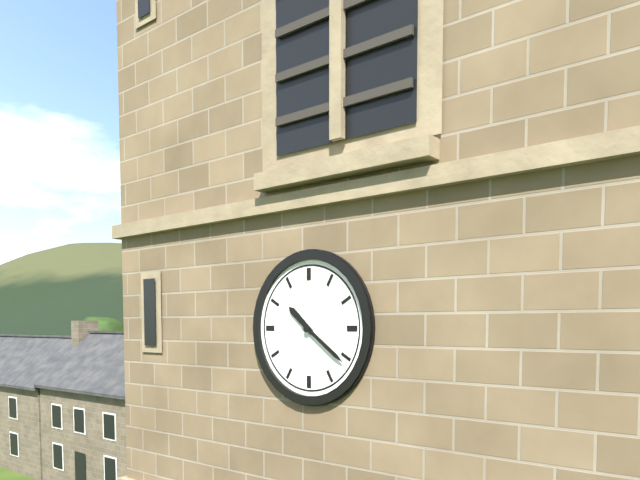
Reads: 10.21
